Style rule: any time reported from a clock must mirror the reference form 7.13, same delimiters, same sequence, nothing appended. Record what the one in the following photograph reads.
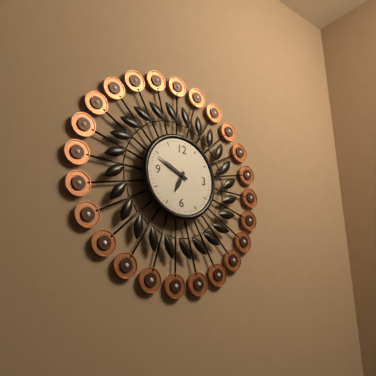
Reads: 6.49
